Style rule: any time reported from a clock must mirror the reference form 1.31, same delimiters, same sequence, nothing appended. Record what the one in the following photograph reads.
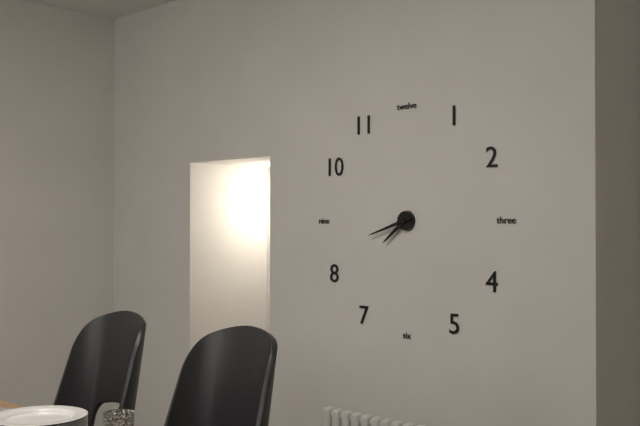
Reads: 7.42
